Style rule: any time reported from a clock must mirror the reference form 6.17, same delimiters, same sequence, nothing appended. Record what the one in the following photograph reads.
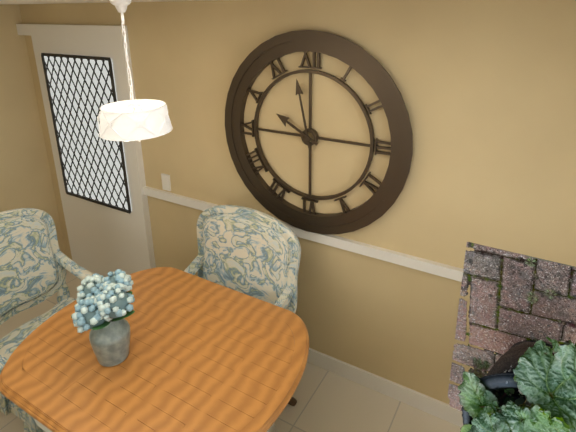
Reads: 9.58
